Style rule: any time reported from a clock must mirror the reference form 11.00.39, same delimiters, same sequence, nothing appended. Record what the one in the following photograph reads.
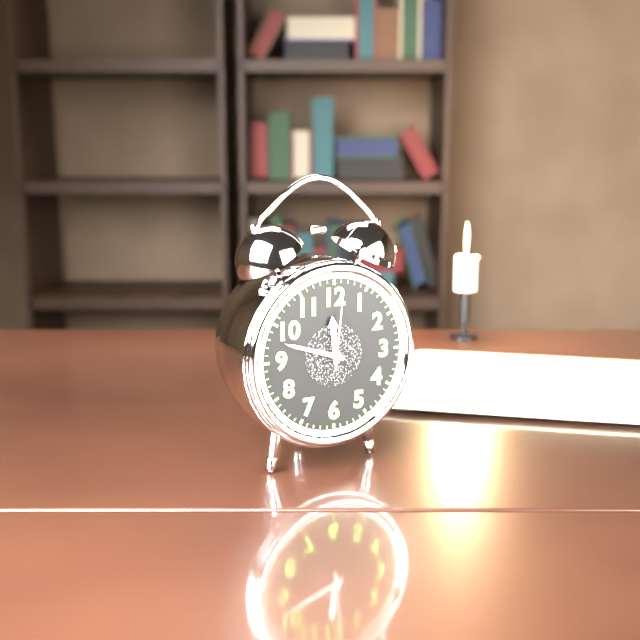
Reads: 11.48.01
